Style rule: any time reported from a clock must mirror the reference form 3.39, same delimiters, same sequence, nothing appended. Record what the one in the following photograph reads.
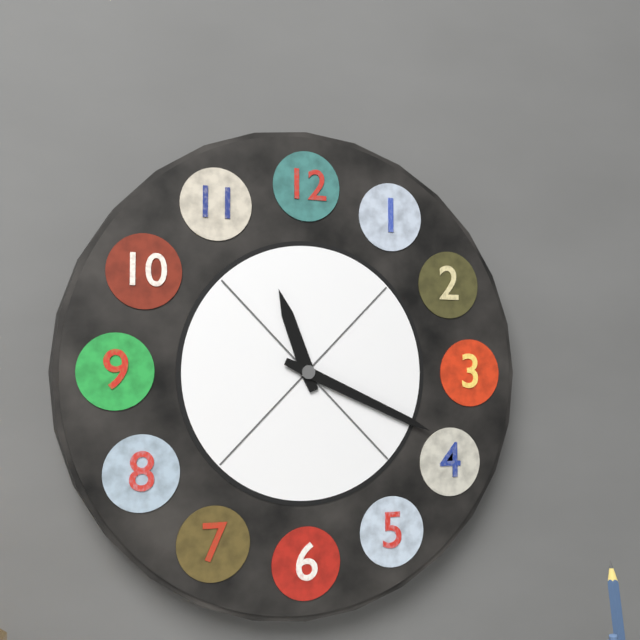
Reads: 11.19
